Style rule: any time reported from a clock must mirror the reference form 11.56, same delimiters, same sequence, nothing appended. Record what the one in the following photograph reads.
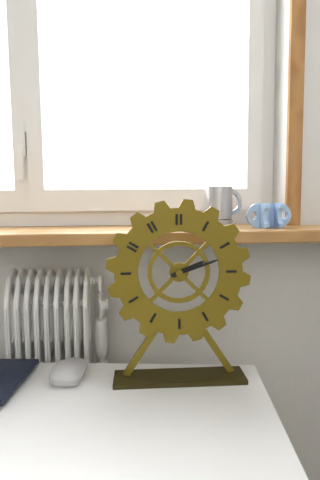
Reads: 2.12
